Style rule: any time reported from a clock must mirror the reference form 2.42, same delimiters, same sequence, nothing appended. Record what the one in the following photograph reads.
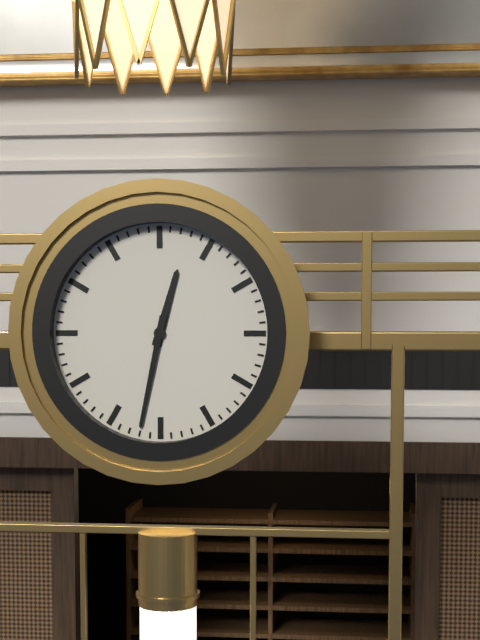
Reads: 12.32
